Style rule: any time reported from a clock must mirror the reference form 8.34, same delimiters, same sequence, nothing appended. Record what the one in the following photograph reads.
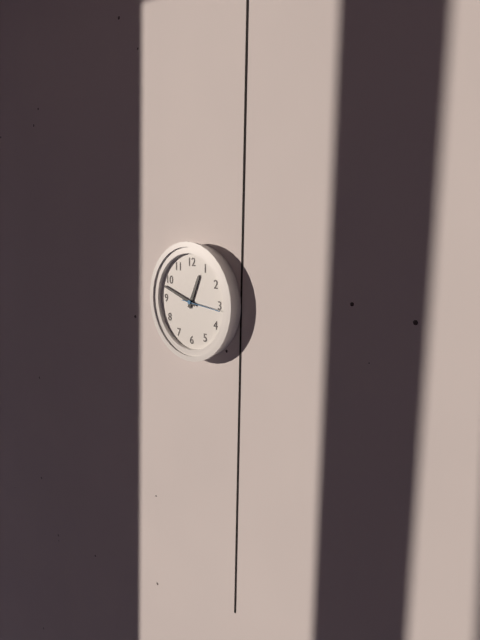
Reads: 12.48
